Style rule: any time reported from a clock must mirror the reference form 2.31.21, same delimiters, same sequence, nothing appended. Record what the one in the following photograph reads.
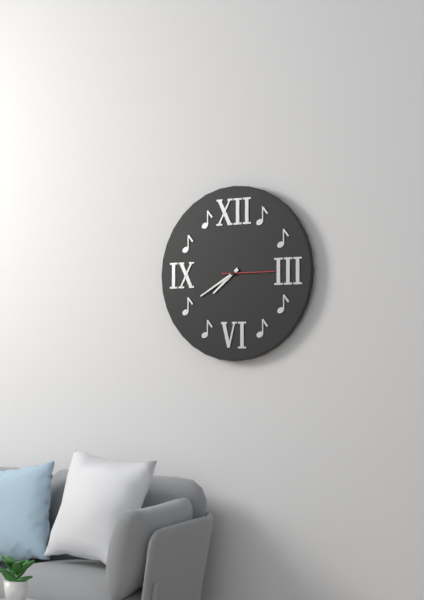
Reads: 7.40.15
